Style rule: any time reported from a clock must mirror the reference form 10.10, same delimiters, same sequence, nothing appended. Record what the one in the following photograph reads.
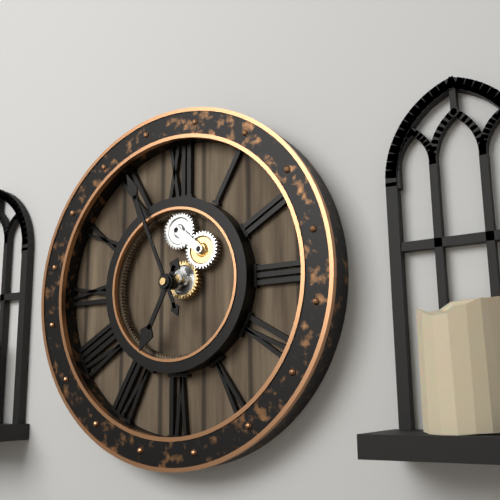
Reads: 6.56
